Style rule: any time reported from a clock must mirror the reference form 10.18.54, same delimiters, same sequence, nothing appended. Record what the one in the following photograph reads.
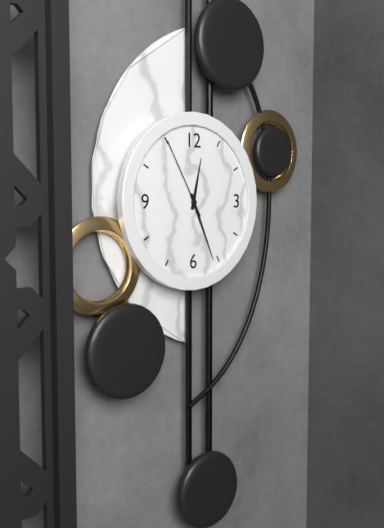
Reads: 12.26.55
